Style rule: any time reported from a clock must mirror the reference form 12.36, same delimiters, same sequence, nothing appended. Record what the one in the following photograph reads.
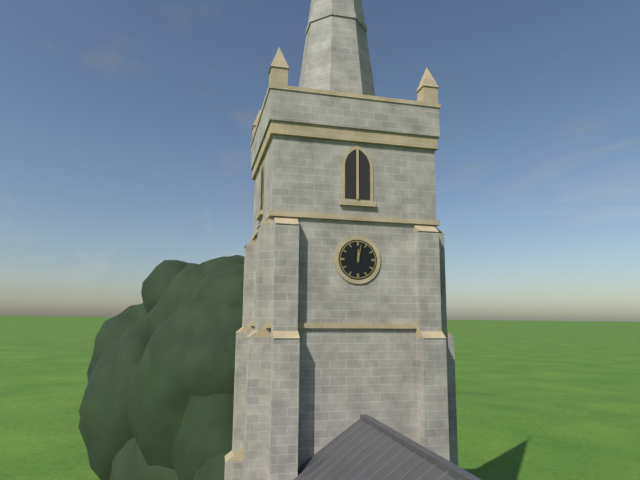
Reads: 12.02
